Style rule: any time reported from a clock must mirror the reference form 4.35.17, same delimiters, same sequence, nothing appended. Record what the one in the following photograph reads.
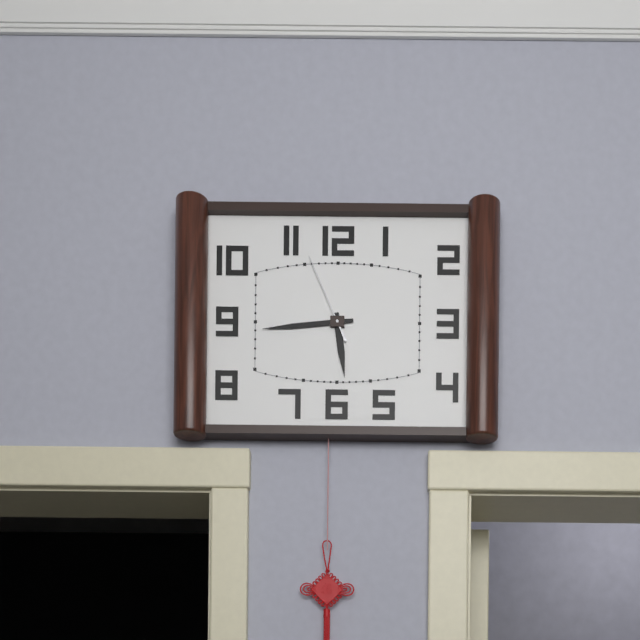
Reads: 5.44.56
